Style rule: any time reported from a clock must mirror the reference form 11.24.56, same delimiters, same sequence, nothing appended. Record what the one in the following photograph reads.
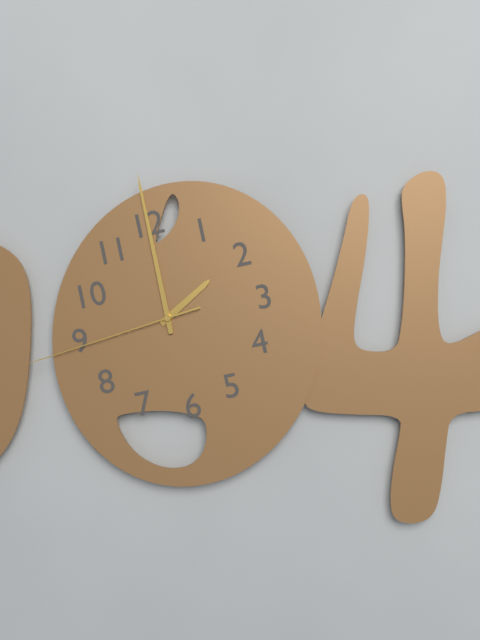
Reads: 2.00.44
